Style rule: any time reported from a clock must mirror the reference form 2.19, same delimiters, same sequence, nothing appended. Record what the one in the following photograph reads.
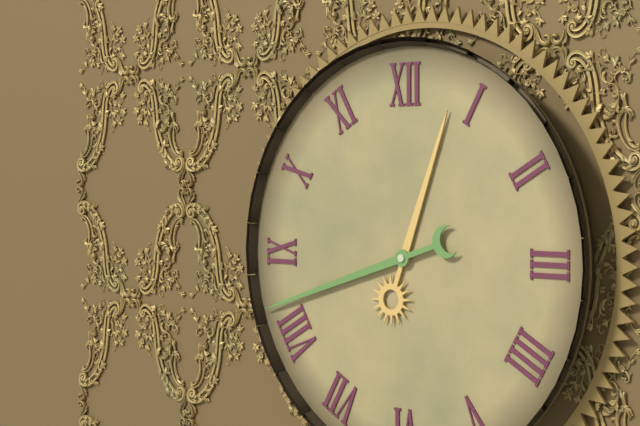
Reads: 12.42
